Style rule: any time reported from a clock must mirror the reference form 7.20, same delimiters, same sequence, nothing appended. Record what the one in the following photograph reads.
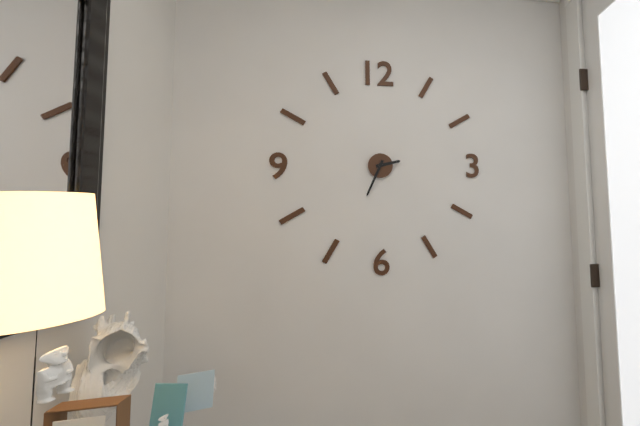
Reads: 2.34
